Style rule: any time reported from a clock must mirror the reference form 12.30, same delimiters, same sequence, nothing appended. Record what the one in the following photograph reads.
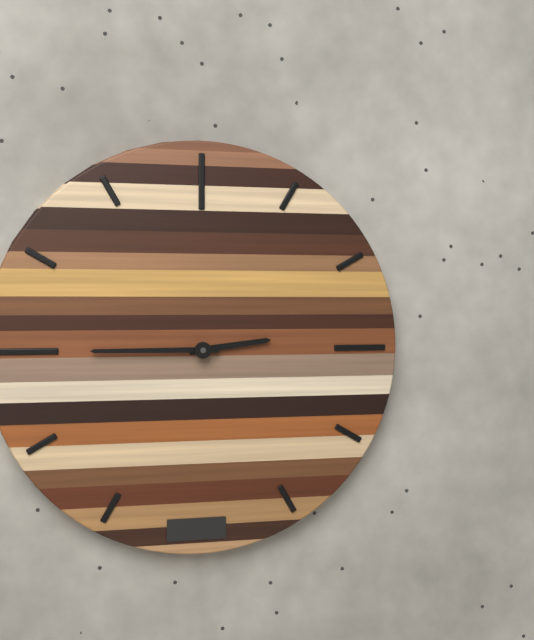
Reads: 2.45
